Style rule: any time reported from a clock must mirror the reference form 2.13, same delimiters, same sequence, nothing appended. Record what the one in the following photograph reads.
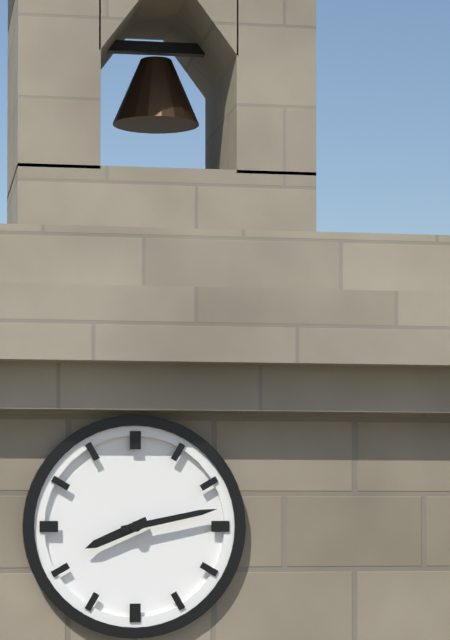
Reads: 8.13
